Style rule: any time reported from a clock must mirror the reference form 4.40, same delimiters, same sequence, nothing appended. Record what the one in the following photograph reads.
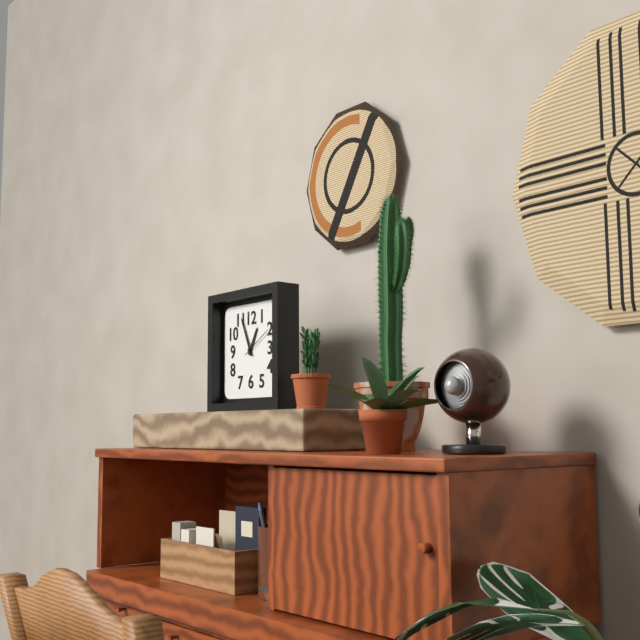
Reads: 12.56
